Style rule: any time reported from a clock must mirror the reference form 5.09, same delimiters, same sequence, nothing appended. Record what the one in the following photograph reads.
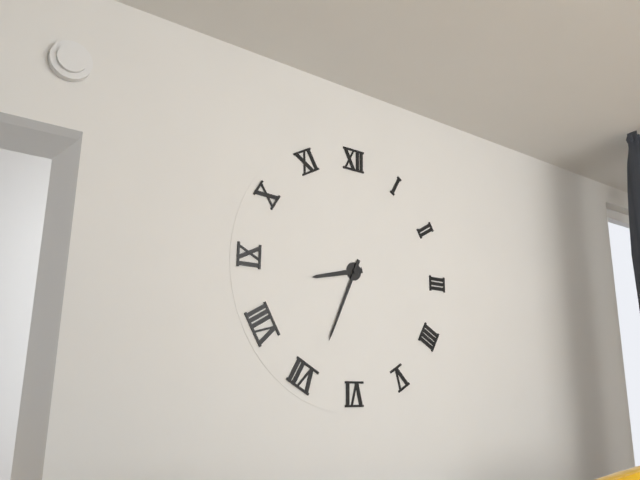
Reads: 8.34
